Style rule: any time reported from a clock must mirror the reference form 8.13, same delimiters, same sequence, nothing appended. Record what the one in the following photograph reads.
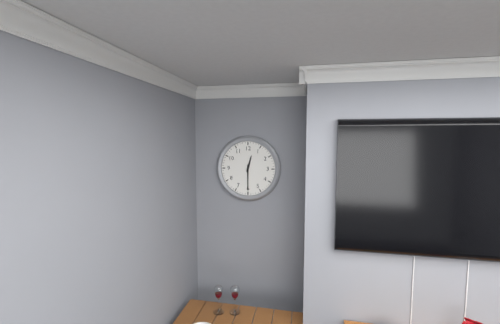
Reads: 12.30
